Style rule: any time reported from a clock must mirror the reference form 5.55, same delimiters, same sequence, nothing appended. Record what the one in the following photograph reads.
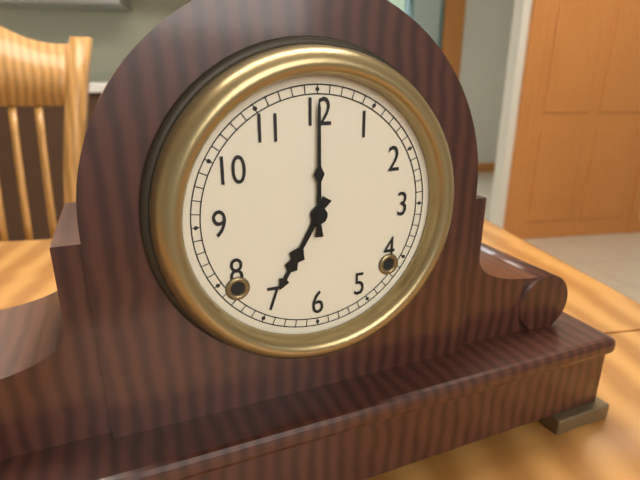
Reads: 7.00
